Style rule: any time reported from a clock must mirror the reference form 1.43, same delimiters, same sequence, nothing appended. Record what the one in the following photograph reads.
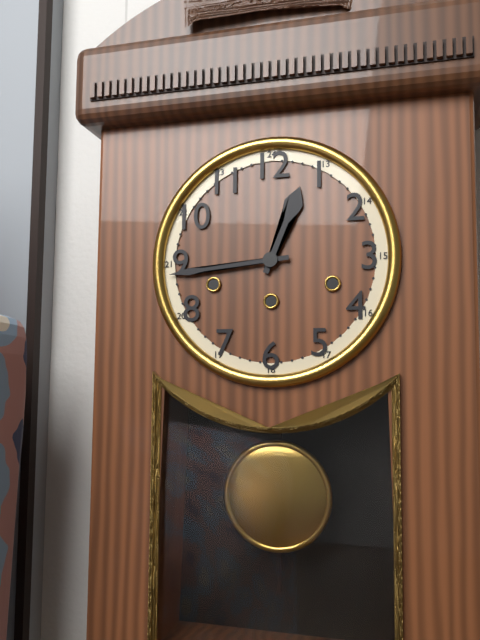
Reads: 12.44
